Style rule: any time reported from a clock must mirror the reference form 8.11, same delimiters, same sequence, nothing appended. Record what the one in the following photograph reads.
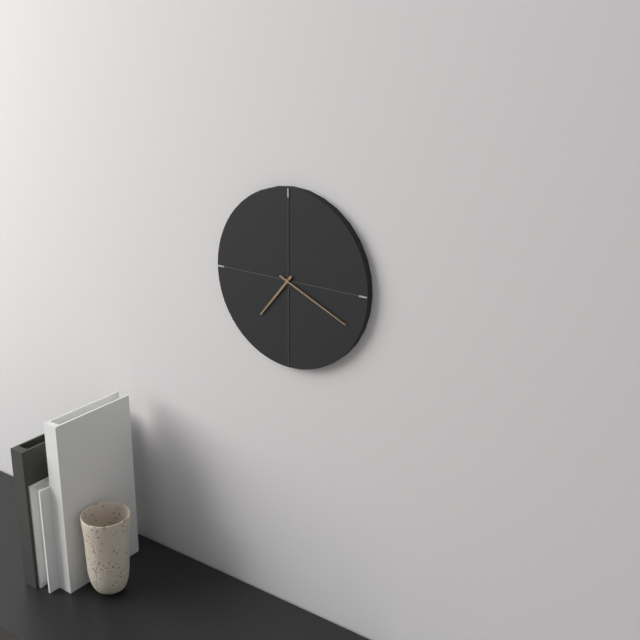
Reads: 7.19
